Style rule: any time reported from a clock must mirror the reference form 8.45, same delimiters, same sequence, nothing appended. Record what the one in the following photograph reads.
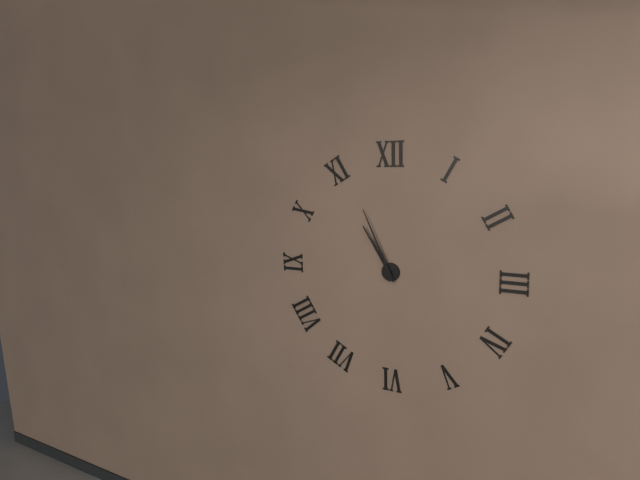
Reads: 10.56
